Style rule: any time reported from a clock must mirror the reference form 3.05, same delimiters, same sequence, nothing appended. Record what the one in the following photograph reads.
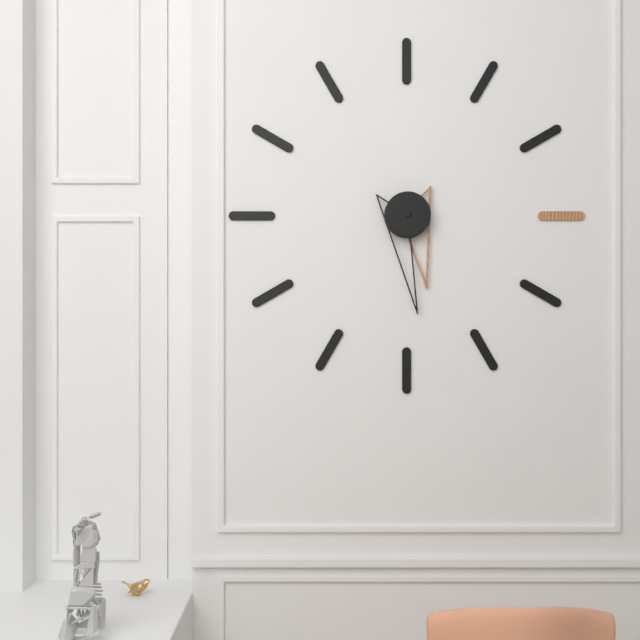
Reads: 5.29
